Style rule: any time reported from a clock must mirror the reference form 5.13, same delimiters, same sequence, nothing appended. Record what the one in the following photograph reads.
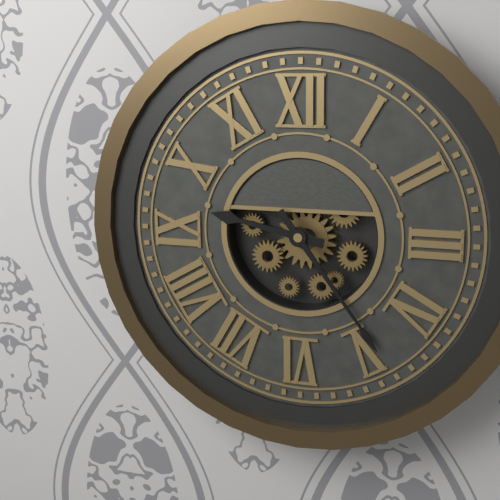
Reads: 9.24
